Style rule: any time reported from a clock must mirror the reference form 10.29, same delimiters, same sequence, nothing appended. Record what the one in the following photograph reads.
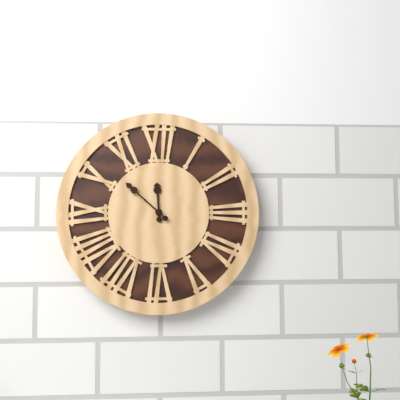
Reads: 11.52
